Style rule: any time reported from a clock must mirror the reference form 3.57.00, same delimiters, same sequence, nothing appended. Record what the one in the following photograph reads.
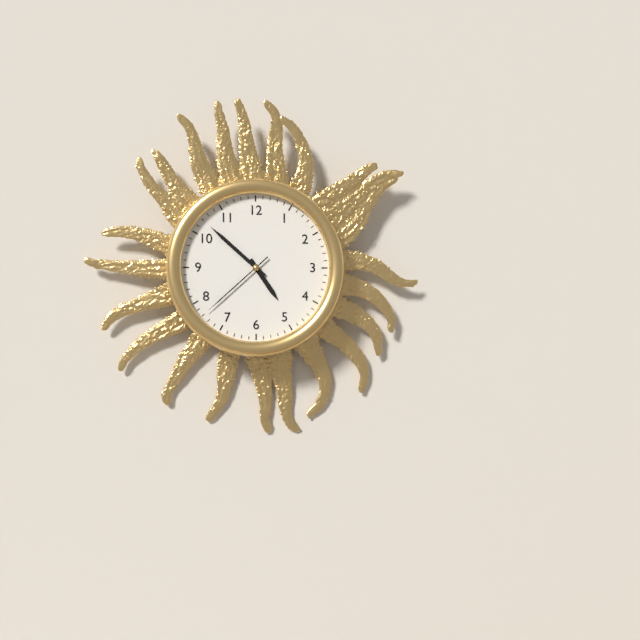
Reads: 4.52.38
